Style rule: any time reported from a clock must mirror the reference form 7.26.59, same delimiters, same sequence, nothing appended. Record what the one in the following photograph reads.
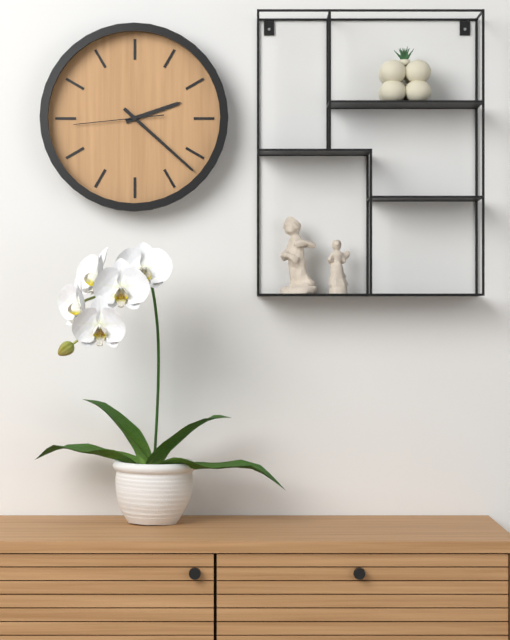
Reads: 2.22.44
